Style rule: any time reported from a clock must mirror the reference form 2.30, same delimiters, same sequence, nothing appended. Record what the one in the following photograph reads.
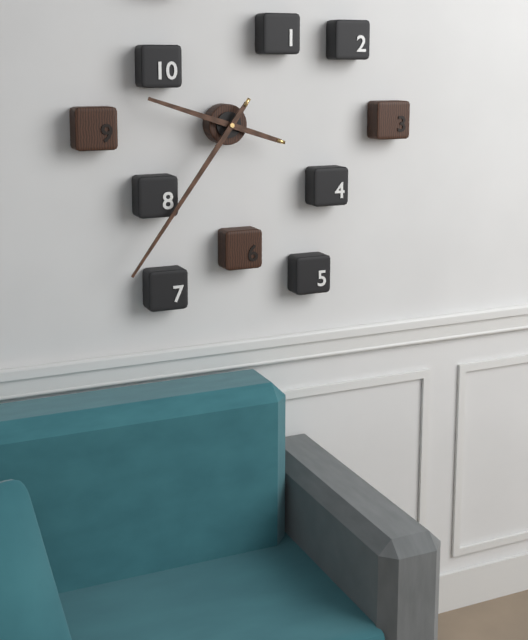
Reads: 9.36
